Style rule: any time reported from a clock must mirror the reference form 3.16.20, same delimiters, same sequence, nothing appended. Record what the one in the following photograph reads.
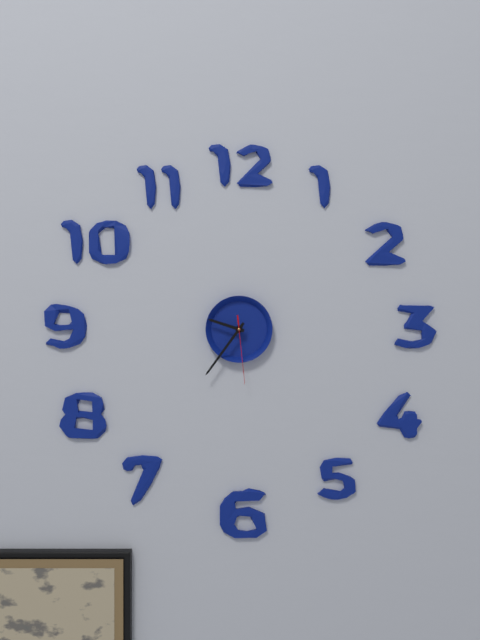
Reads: 9.36.29
